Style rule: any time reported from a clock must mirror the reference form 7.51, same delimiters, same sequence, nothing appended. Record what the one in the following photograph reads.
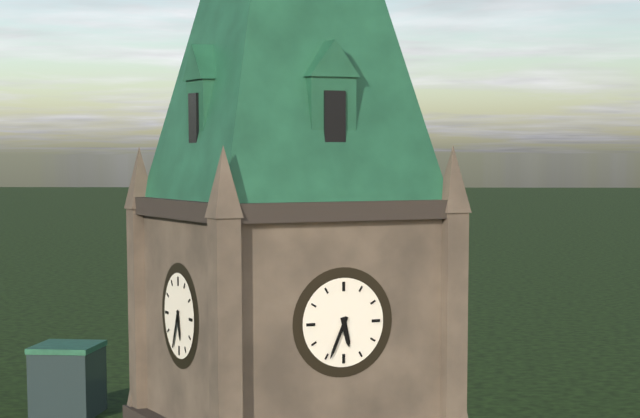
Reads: 5.34
